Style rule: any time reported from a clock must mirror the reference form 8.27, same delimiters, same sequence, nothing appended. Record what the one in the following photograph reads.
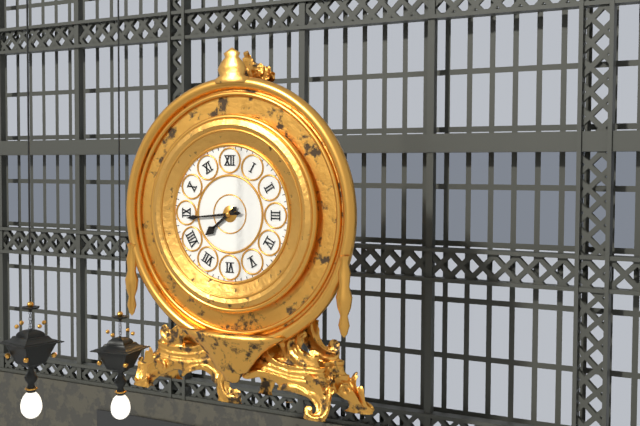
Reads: 7.44
